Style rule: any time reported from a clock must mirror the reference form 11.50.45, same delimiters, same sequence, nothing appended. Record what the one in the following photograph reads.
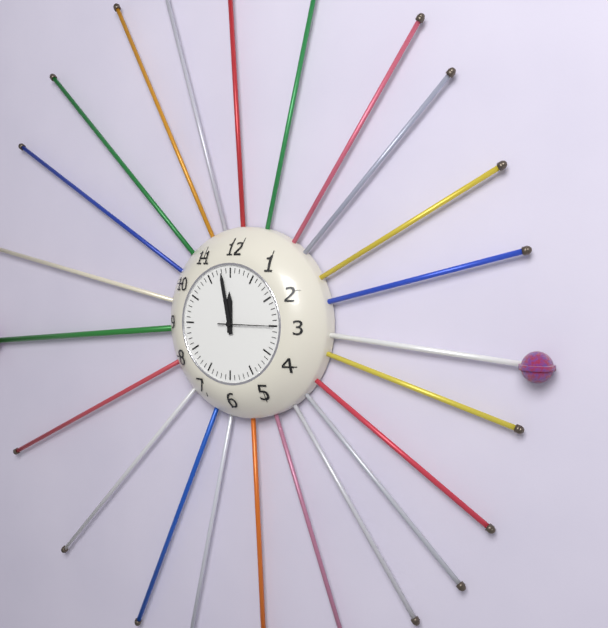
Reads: 11.58.15
